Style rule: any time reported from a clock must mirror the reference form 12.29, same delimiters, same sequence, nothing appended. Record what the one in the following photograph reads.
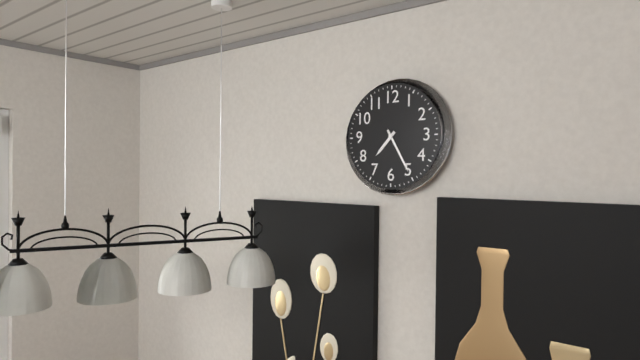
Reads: 7.25
